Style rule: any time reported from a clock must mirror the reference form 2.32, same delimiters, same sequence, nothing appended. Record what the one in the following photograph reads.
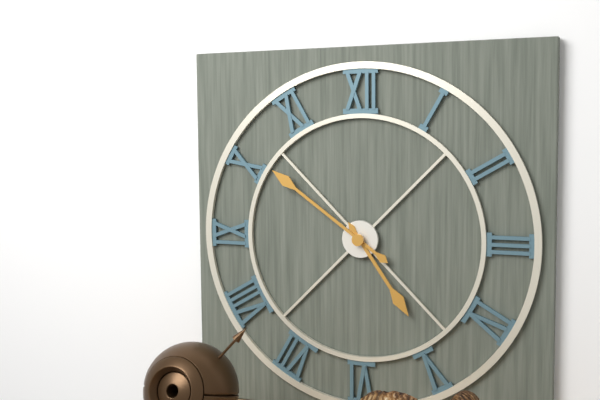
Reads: 4.51
